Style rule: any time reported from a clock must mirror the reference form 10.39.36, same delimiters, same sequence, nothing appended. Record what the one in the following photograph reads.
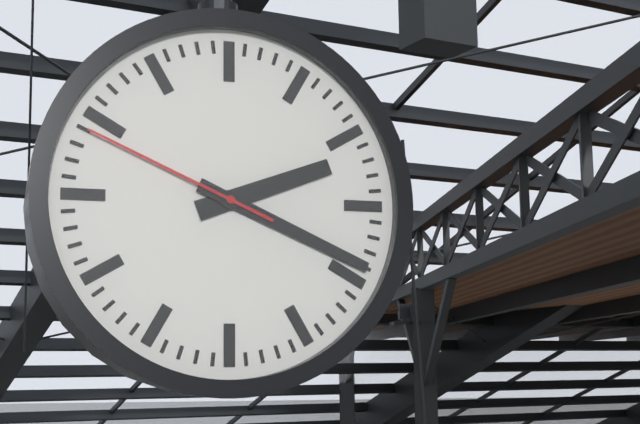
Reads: 2.19.49
